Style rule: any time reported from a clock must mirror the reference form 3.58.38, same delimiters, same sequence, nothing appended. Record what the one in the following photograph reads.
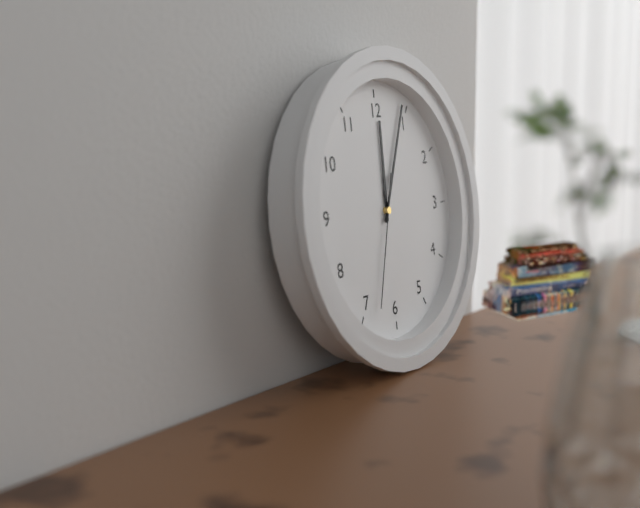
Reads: 12.04.33
